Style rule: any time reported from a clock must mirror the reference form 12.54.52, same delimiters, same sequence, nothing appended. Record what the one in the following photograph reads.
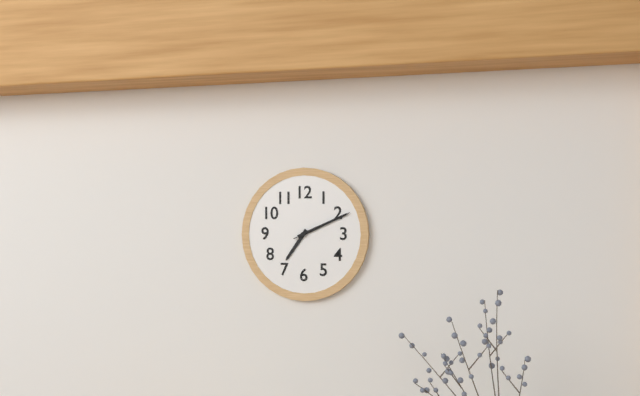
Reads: 7.11.11
